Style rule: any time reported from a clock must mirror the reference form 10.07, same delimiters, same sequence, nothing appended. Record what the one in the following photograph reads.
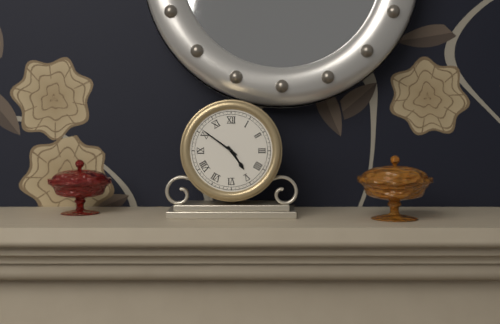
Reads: 4.51
